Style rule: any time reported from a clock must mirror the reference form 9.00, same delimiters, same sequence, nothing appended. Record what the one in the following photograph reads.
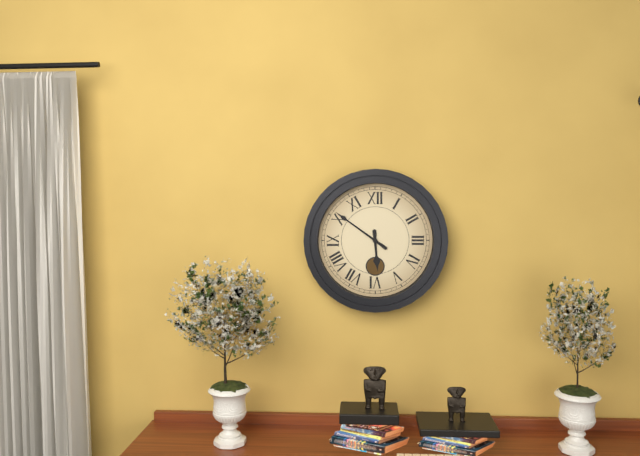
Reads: 5.51
